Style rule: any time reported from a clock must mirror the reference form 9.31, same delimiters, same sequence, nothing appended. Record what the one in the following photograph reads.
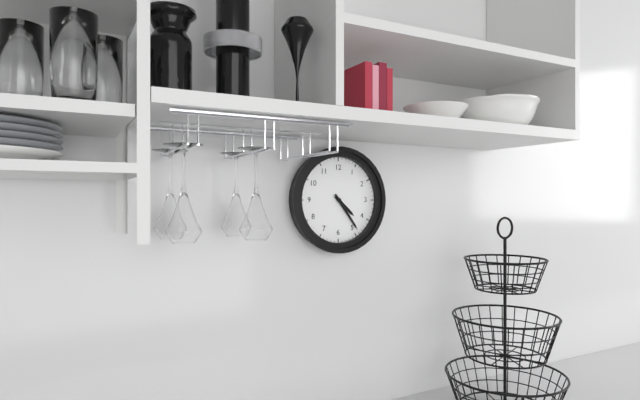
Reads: 4.24
